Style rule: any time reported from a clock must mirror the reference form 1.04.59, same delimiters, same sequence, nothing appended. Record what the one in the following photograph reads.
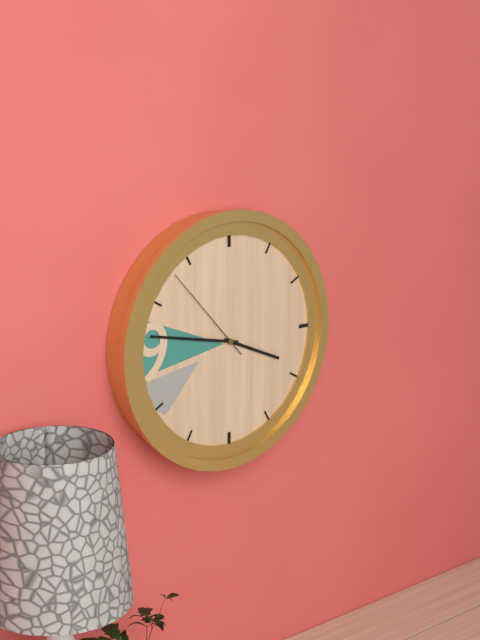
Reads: 3.47.53
